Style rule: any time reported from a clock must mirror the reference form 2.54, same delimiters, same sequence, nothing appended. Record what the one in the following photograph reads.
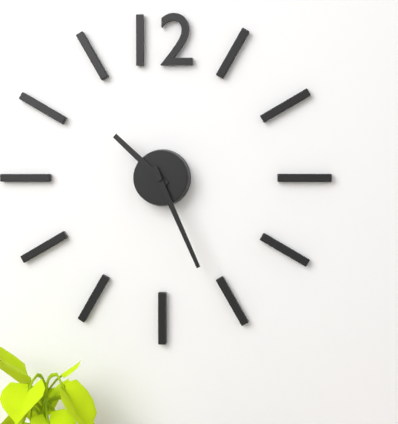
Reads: 10.26
